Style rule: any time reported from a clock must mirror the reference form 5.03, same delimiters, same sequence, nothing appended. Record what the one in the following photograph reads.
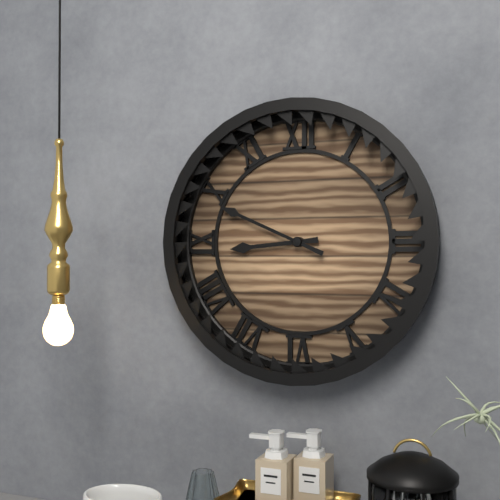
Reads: 8.49
